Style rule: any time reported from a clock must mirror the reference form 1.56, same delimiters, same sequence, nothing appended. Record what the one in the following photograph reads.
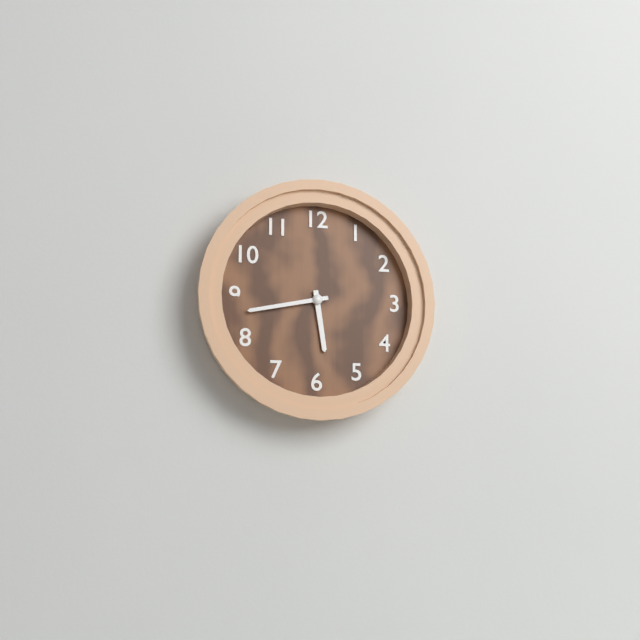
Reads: 5.43
